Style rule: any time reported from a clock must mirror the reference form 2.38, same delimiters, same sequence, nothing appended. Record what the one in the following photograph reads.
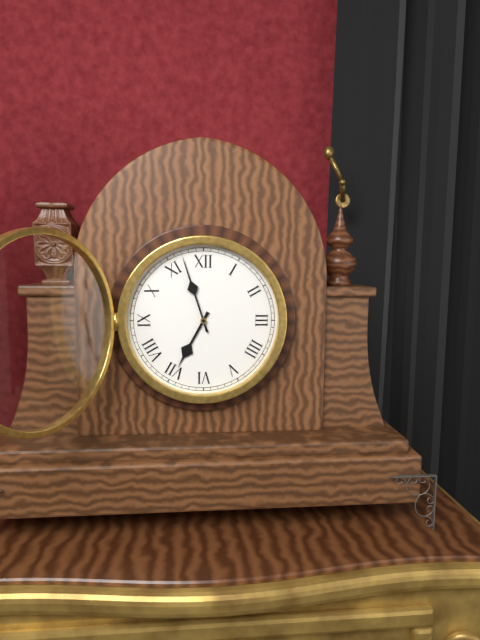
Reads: 6.57
